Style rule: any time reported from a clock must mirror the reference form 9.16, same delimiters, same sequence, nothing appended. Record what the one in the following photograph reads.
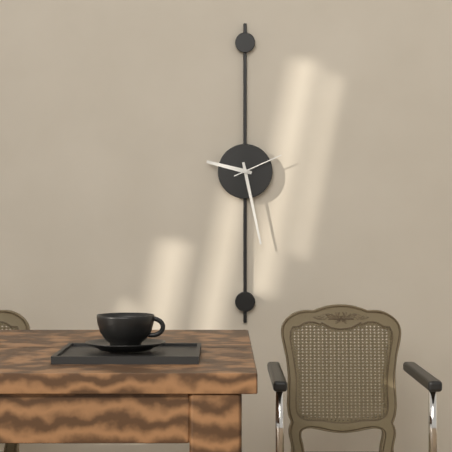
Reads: 9.28
